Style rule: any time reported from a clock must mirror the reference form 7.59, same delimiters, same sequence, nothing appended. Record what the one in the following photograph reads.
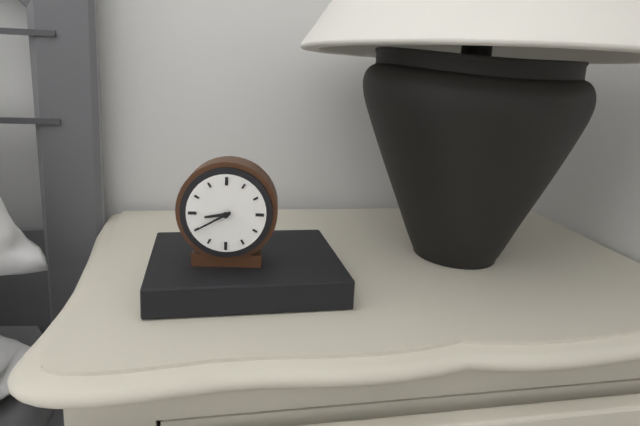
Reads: 8.40
